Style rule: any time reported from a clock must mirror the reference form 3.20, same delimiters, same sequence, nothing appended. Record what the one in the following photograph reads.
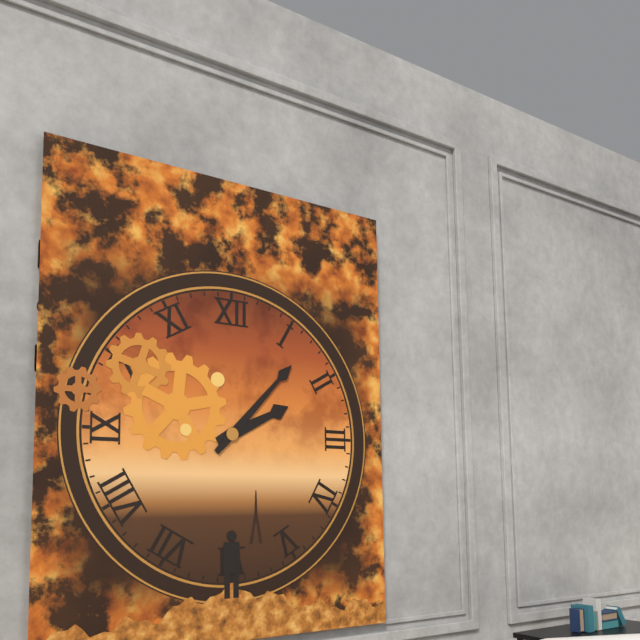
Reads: 2.07
